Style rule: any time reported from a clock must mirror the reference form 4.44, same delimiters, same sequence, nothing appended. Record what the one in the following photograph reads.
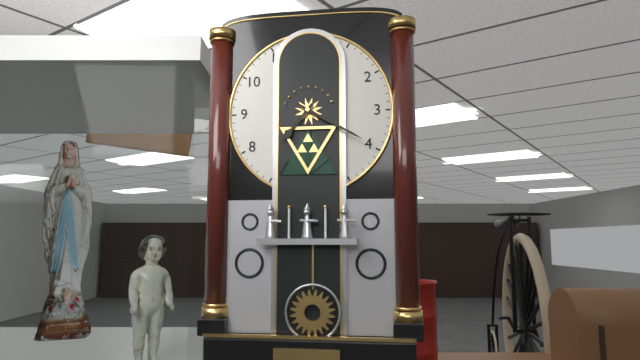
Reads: 7.20
